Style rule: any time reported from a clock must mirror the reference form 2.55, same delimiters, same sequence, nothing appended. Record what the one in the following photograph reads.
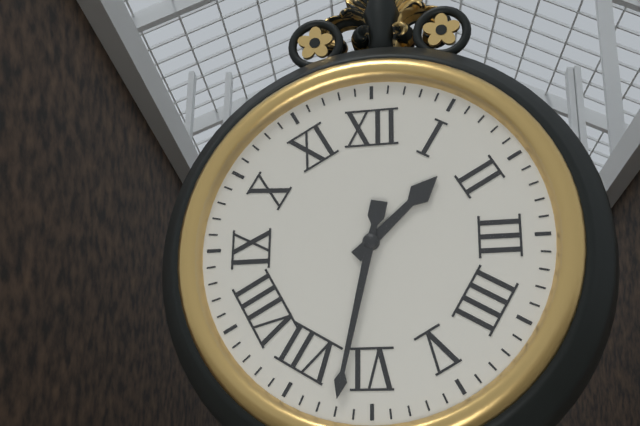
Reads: 1.32
